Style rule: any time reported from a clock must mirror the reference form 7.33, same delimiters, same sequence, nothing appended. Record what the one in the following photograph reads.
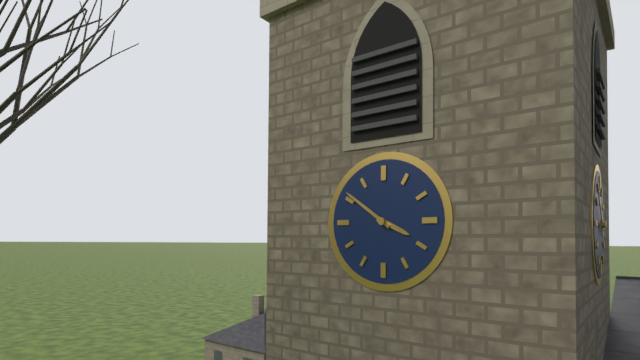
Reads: 3.51
